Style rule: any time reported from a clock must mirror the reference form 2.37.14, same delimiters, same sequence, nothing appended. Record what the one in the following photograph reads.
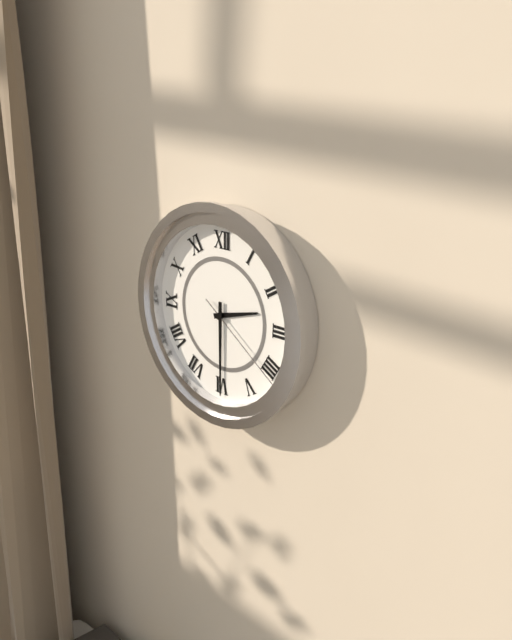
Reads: 2.30.21
